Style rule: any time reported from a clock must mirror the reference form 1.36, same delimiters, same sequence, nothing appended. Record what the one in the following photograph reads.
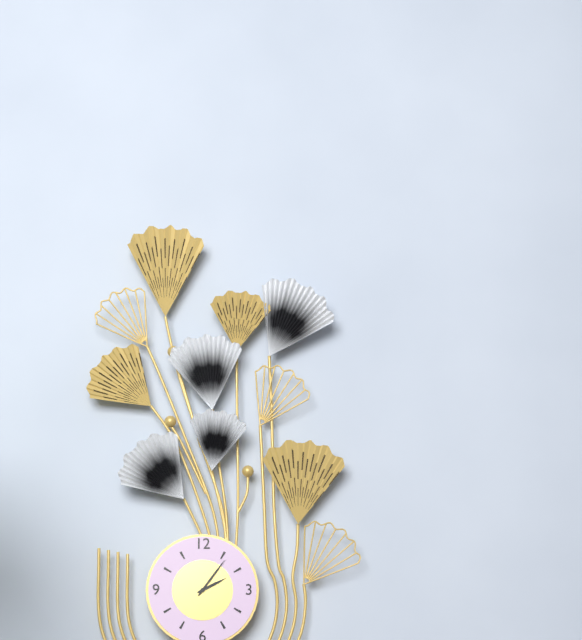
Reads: 2.06
